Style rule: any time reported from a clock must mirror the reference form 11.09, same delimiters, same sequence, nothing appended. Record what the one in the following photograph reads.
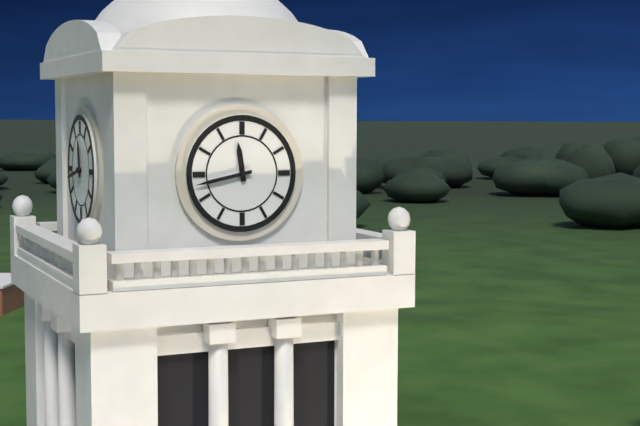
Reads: 11.43
